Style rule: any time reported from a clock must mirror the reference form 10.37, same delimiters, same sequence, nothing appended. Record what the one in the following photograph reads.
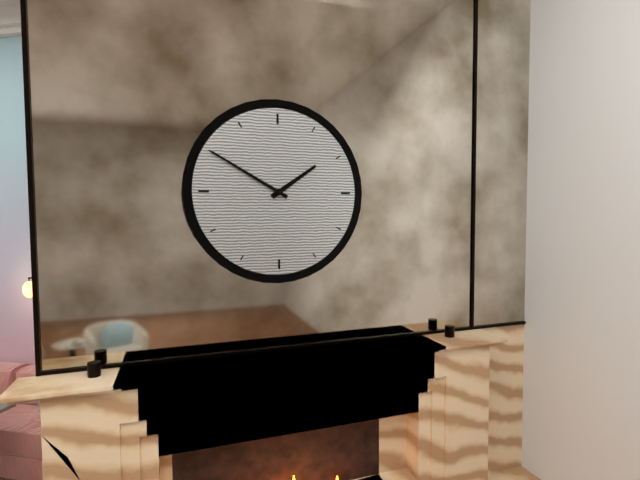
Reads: 1.50
